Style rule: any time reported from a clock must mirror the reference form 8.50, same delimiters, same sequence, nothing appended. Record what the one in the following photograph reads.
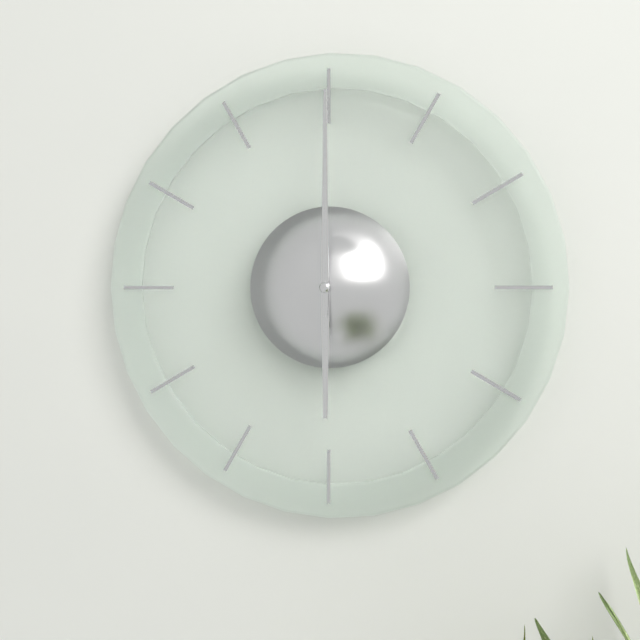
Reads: 6.00
